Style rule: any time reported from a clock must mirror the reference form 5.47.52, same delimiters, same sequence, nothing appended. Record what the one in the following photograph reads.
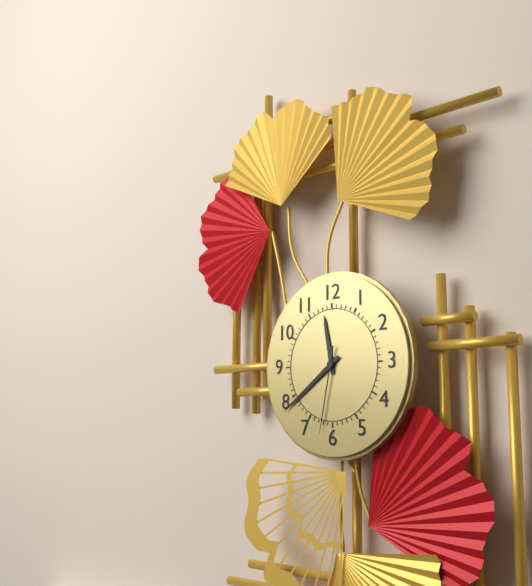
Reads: 11.39.32
